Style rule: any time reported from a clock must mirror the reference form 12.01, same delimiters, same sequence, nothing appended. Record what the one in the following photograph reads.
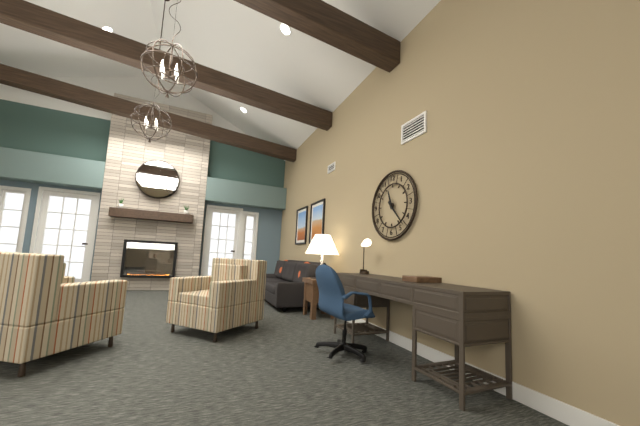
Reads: 11.23
